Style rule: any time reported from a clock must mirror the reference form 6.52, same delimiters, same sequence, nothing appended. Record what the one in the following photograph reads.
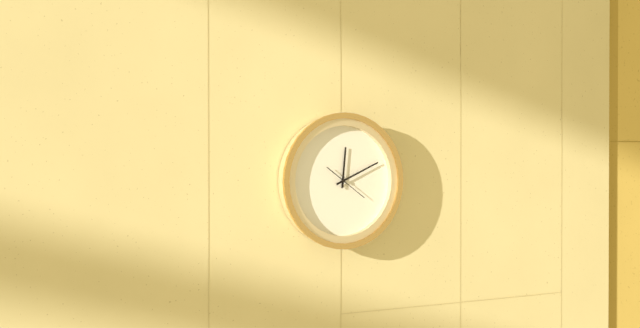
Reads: 12.11
